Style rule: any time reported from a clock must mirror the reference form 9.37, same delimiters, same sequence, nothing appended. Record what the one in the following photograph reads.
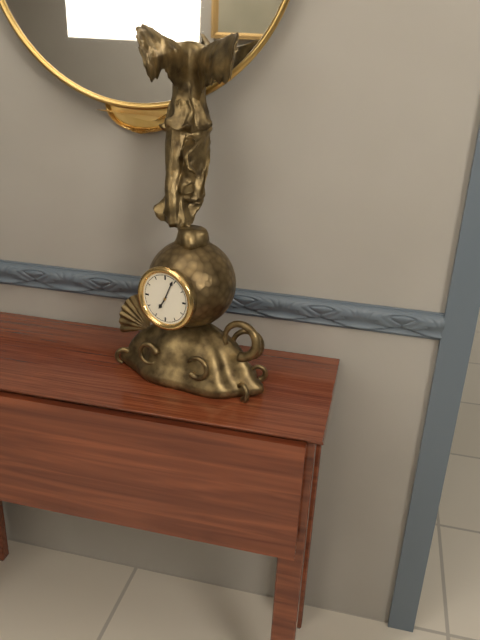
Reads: 7.04
